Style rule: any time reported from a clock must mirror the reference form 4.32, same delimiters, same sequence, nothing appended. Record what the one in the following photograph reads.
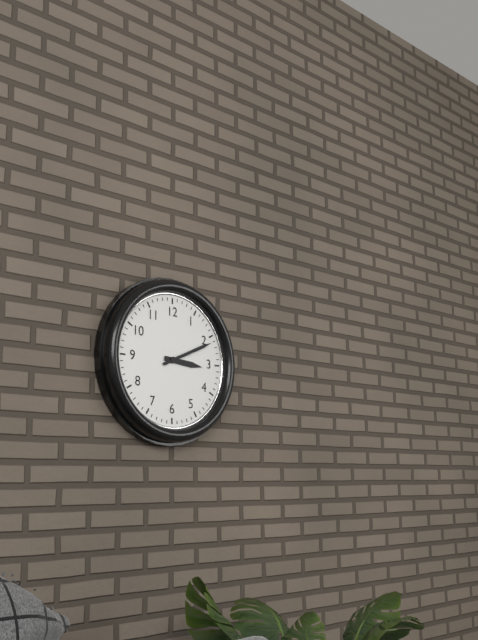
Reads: 3.11
